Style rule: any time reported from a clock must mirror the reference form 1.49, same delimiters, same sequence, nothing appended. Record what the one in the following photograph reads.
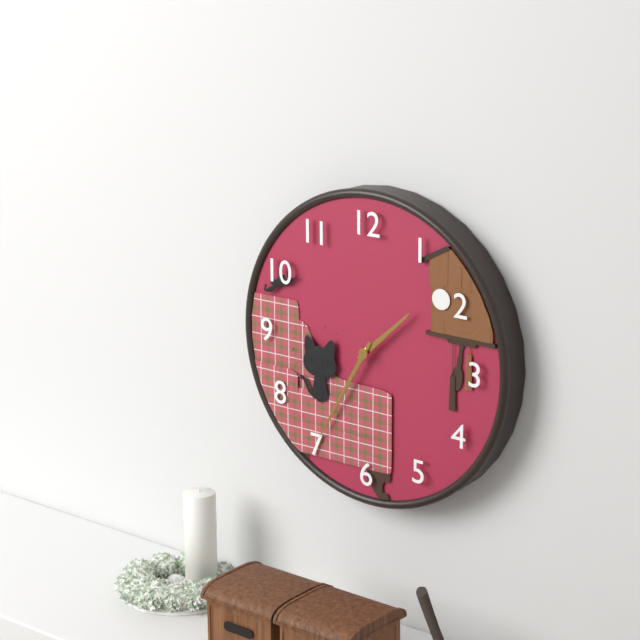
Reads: 1.35
